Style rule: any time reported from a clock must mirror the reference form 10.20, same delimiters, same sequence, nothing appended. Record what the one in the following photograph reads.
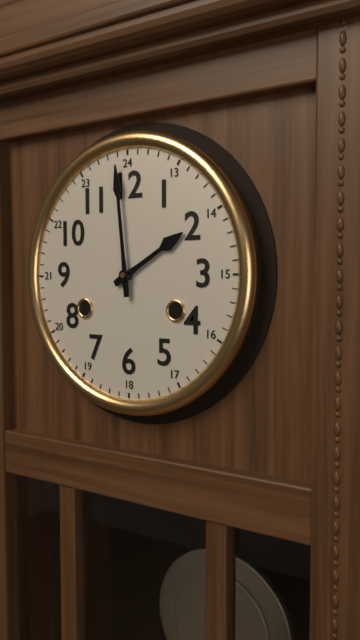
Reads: 1.59
